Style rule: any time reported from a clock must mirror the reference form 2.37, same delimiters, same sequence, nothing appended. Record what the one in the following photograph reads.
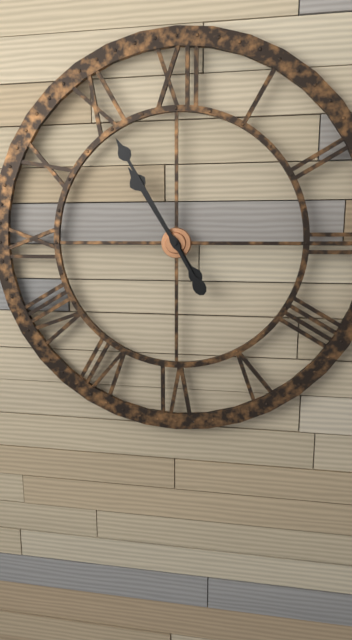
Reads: 10.55
